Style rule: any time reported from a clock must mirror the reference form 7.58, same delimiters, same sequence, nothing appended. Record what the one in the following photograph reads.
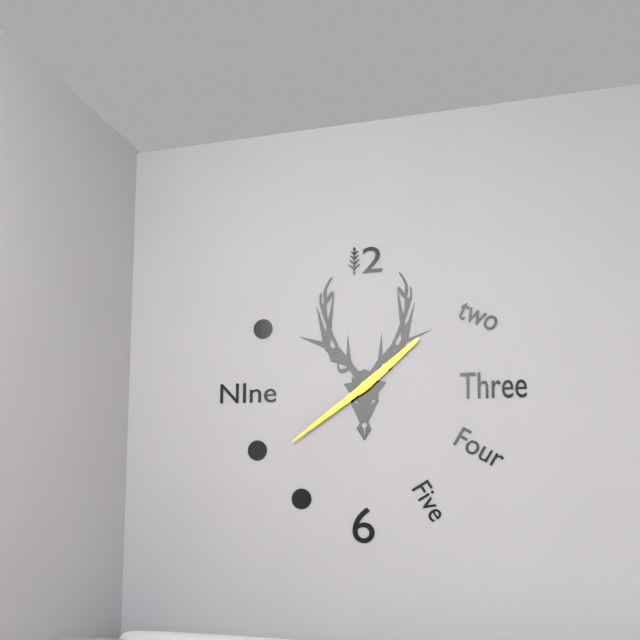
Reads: 1.39
